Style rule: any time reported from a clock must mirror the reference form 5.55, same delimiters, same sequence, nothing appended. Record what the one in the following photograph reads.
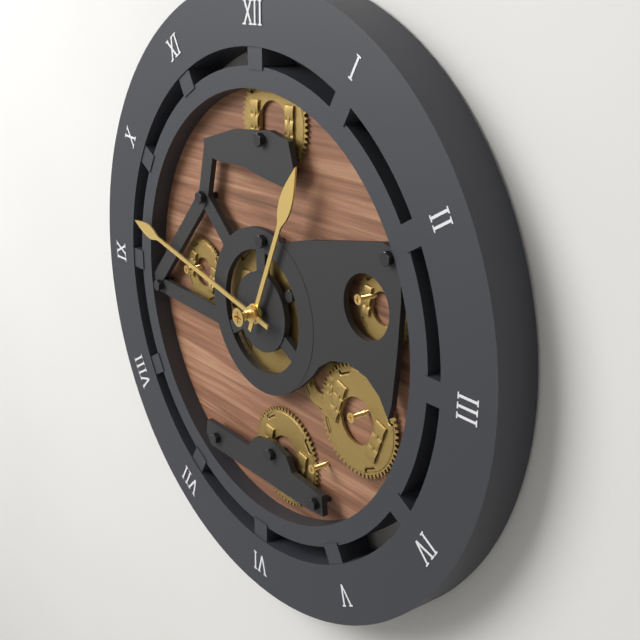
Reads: 12.47
